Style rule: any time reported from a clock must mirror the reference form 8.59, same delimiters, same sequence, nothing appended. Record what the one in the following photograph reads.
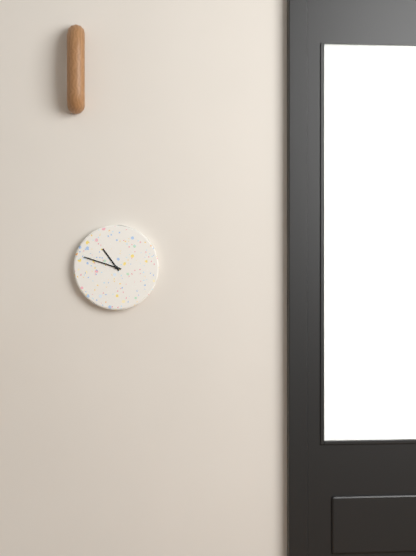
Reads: 10.48
